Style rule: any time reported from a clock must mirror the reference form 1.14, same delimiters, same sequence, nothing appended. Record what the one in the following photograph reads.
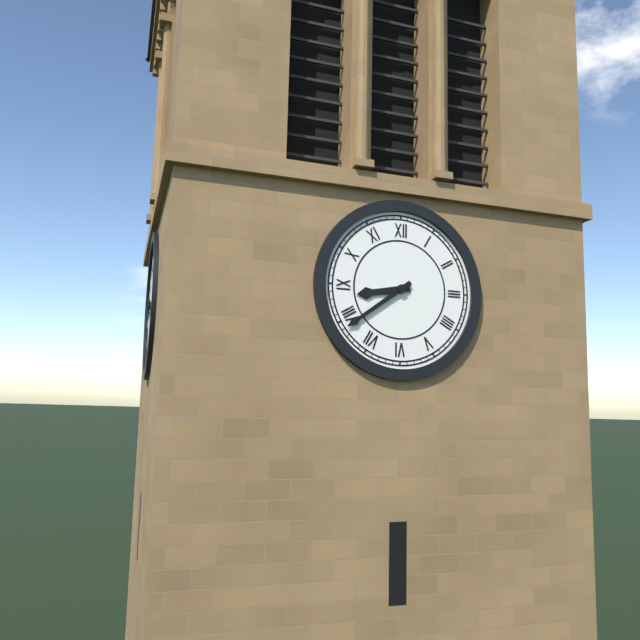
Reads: 8.39
